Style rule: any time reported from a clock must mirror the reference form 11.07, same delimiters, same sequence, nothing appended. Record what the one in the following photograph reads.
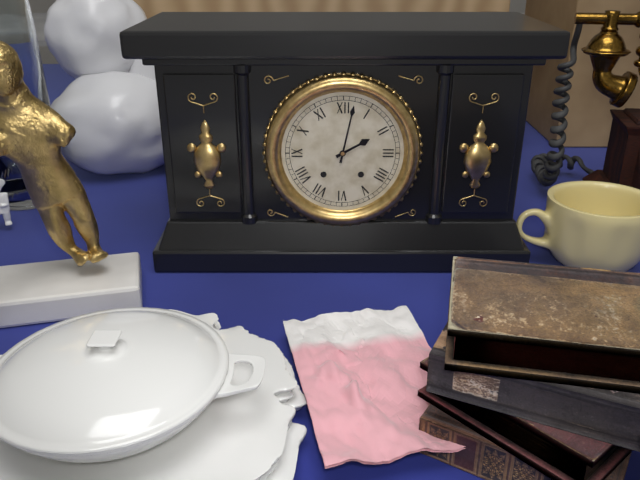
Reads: 2.02
